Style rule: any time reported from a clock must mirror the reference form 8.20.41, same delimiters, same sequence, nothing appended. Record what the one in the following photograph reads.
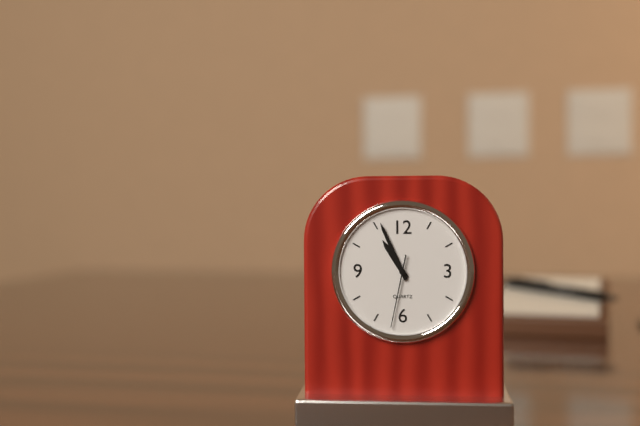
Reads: 10.56.32
